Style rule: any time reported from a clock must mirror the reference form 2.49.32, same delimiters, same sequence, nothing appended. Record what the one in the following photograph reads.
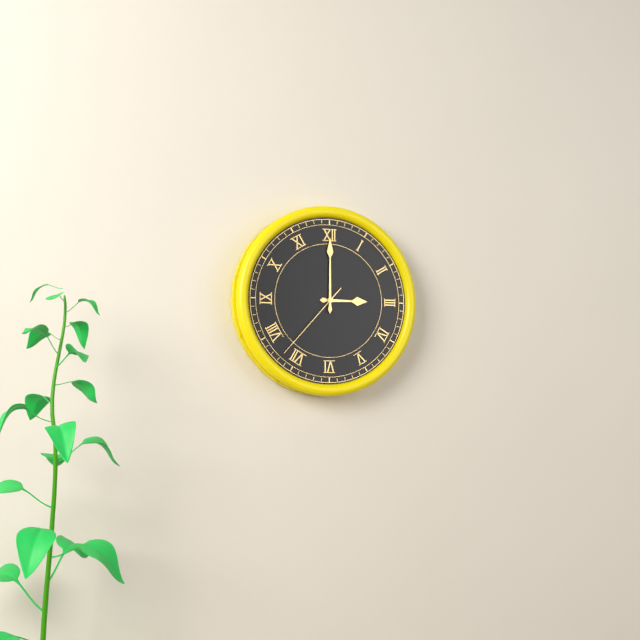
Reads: 3.00.37
